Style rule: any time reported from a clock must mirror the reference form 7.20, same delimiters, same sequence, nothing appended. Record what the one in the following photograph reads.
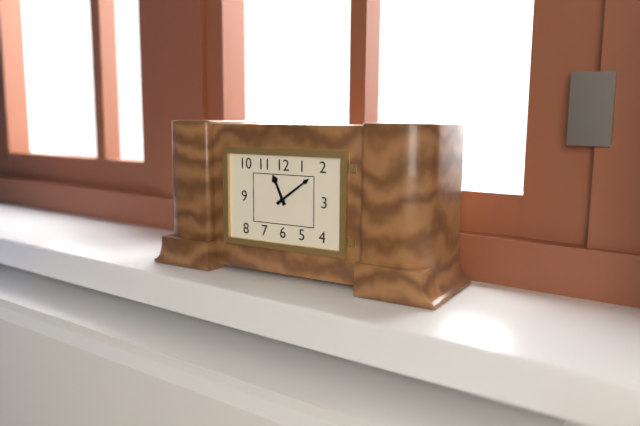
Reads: 11.09
